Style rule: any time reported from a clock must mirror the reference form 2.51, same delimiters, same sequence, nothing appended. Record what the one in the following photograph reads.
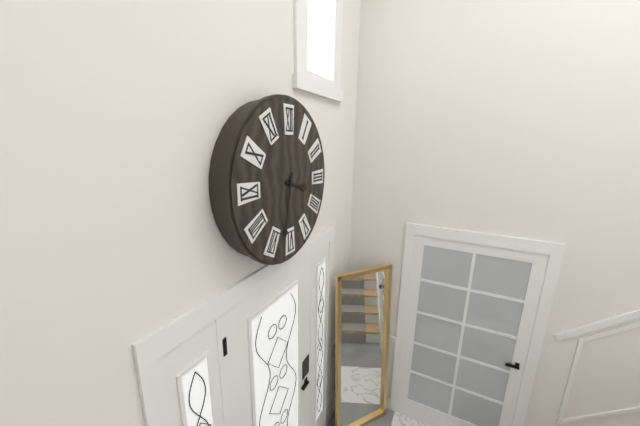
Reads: 3.32
